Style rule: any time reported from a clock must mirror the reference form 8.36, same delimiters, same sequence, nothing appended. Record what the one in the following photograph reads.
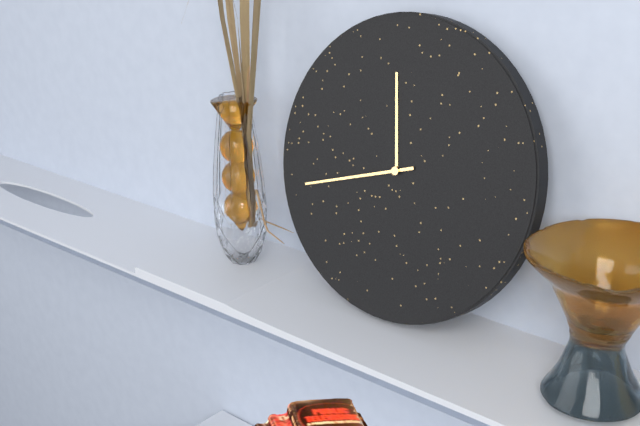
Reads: 11.42
